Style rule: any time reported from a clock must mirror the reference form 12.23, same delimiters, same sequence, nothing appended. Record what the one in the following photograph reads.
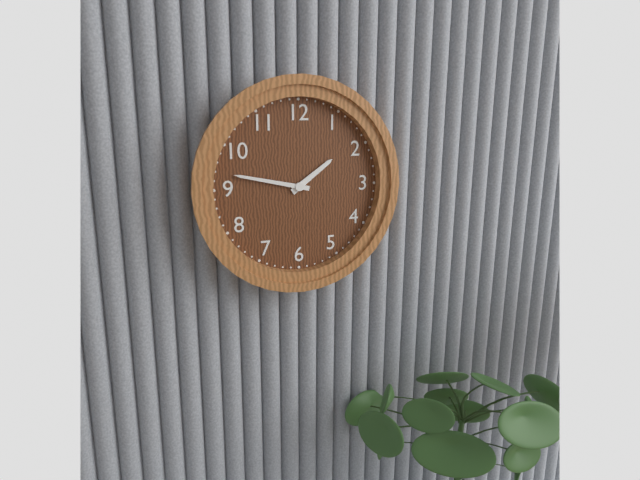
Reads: 1.47
